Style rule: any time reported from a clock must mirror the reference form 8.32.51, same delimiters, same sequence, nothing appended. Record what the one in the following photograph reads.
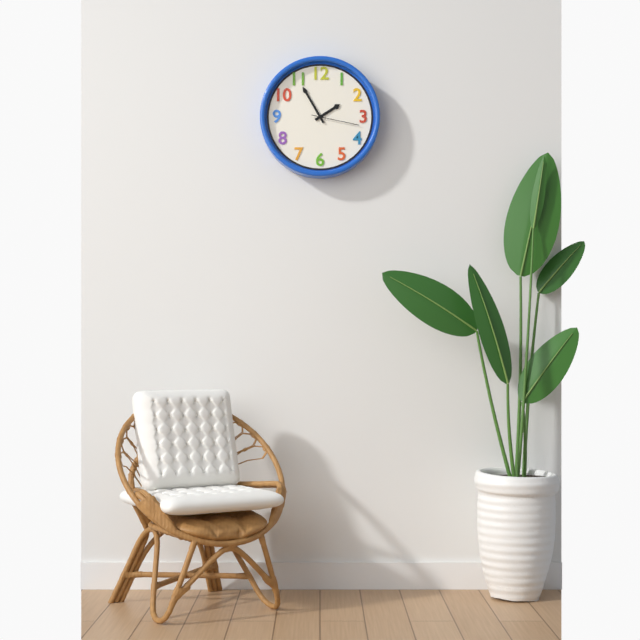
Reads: 1.55.17
